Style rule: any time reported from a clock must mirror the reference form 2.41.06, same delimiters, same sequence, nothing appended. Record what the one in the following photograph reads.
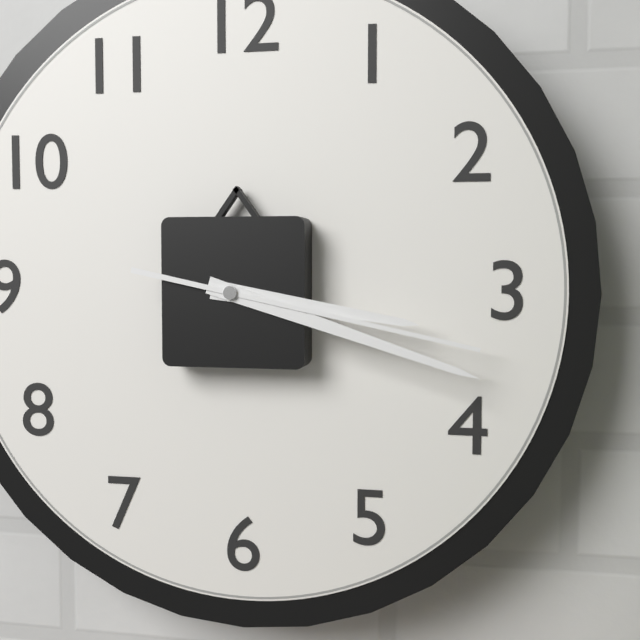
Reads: 3.18.17
